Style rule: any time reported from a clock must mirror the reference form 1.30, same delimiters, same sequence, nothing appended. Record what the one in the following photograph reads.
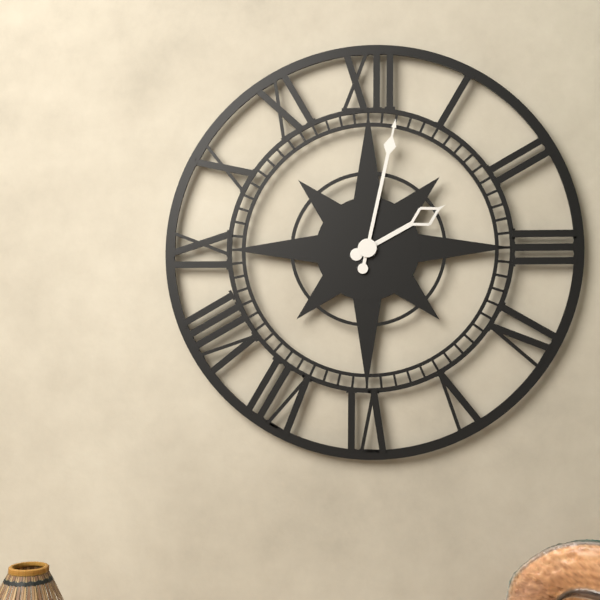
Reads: 2.02
